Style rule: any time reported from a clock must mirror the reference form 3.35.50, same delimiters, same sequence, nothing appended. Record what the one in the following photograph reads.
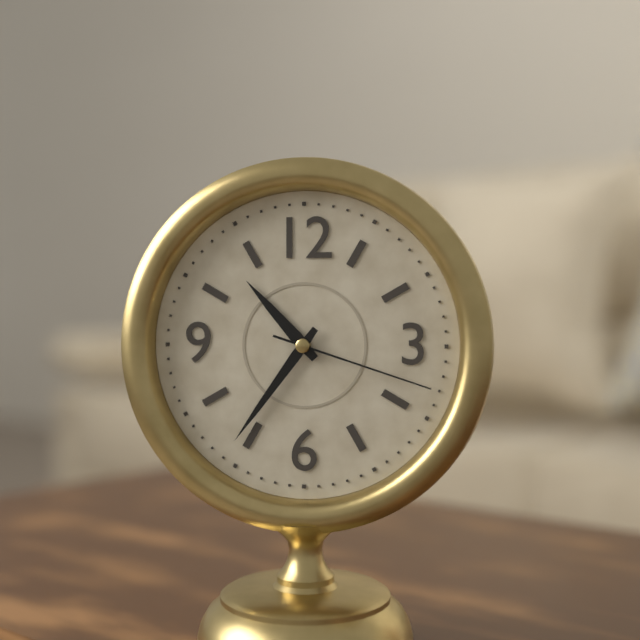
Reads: 10.36.18
